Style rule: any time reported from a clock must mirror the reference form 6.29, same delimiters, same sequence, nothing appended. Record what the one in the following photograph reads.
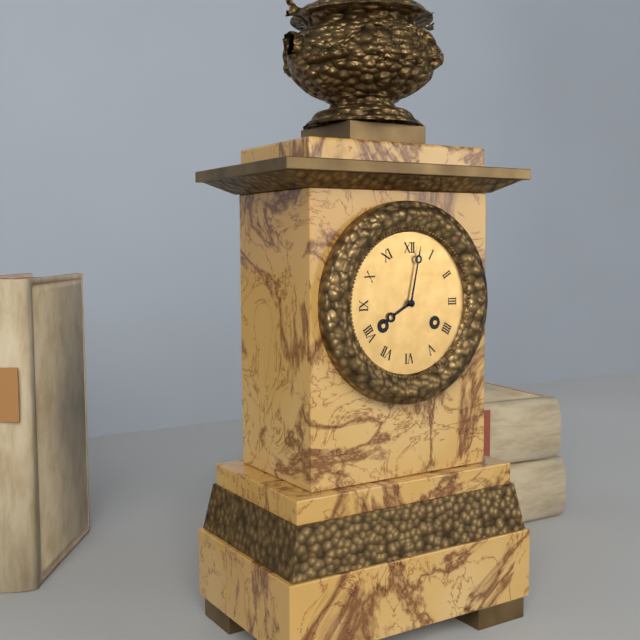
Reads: 8.02
